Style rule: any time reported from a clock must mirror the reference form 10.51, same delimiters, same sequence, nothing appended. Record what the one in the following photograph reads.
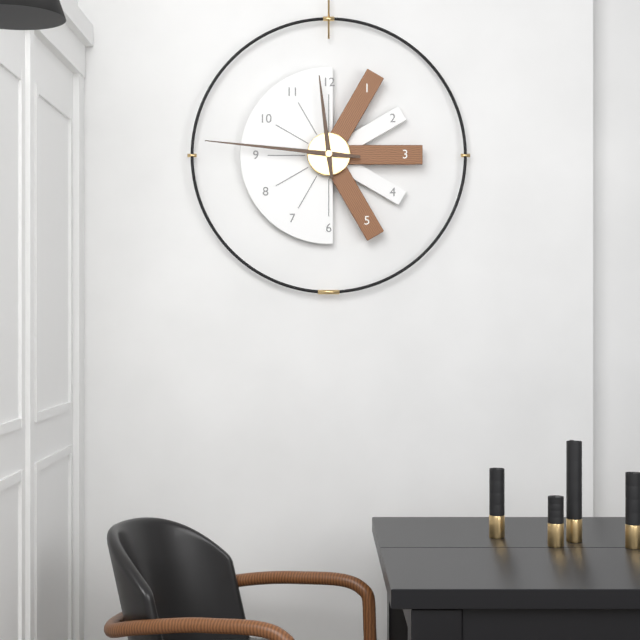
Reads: 11.46
